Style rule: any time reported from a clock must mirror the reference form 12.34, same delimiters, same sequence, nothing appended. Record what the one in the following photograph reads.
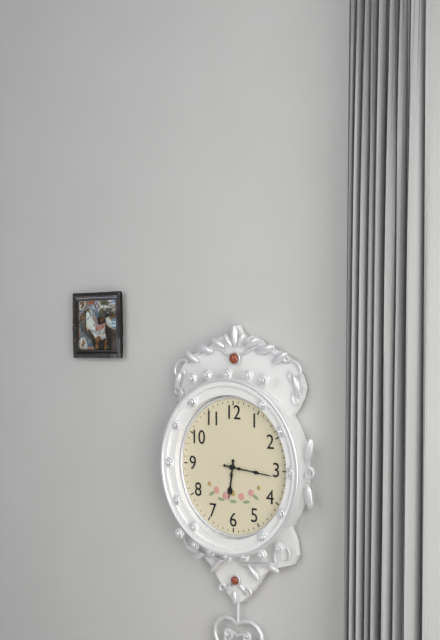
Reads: 6.16
